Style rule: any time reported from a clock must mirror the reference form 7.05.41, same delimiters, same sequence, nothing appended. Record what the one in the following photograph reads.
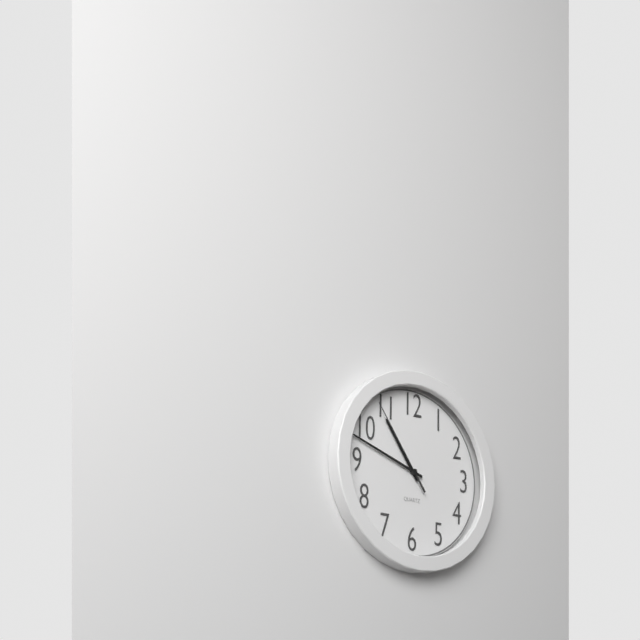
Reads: 10.48.54
